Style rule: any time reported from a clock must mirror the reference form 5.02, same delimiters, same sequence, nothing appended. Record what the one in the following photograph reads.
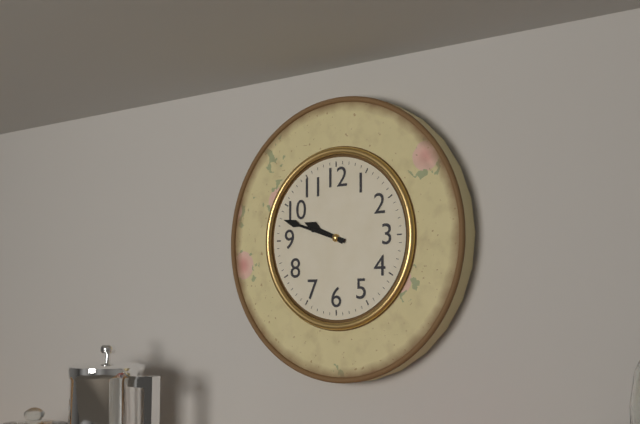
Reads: 9.48
